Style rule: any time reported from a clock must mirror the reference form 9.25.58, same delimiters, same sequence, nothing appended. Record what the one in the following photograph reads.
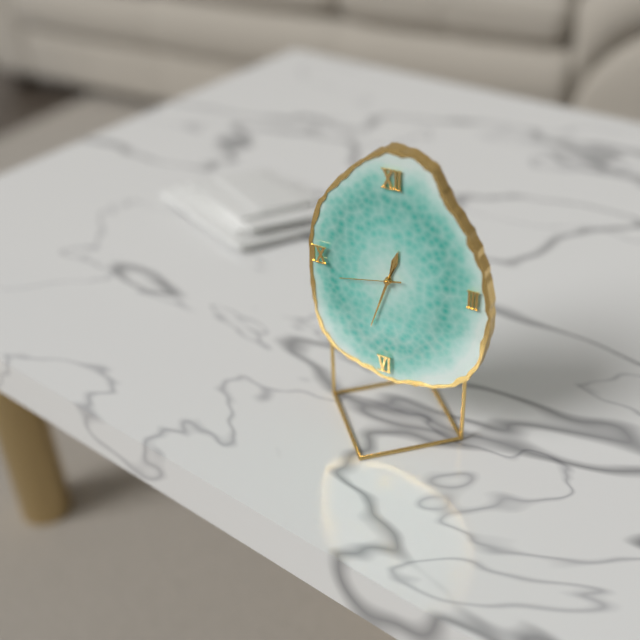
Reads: 12.33.43
